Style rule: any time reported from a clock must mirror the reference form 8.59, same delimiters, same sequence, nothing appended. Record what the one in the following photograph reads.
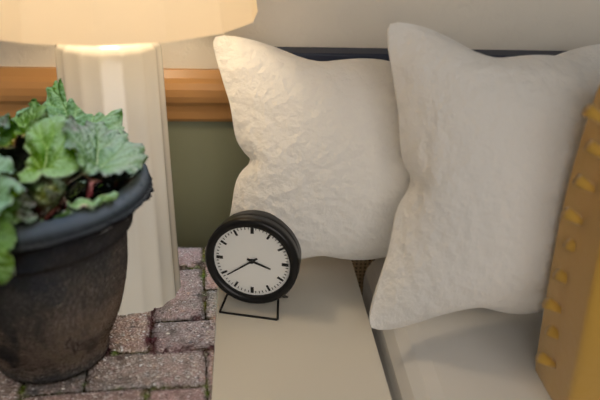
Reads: 3.39
